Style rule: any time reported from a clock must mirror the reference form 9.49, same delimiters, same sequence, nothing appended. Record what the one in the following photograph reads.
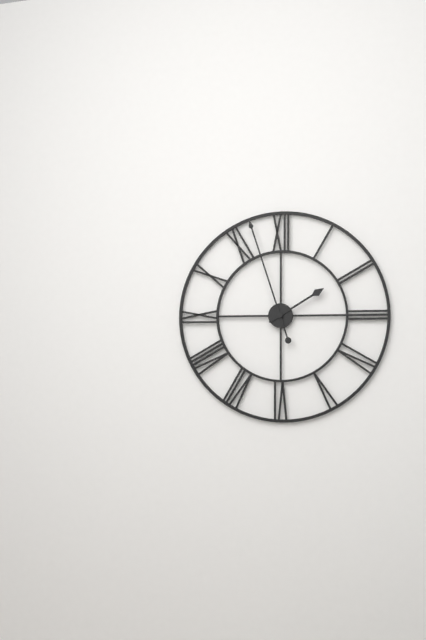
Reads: 1.57
